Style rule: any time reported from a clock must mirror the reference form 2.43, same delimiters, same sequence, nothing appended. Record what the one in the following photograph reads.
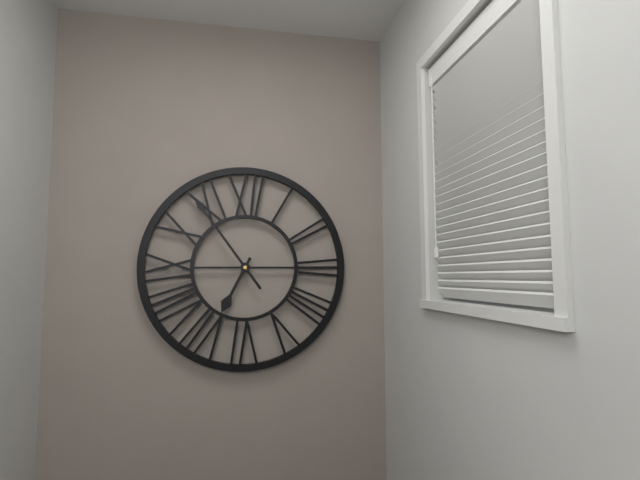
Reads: 6.54
